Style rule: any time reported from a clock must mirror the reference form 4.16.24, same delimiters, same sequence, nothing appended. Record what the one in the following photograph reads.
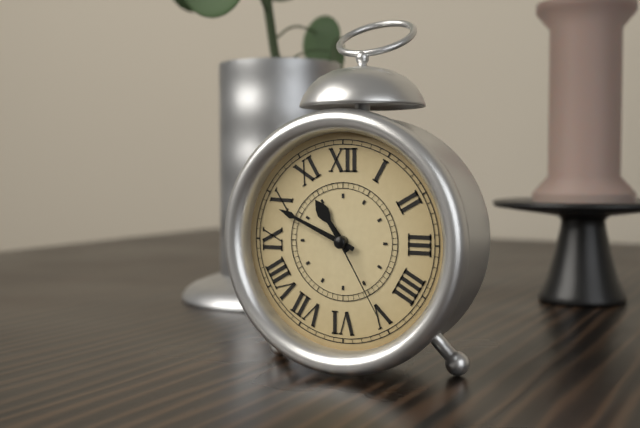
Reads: 10.49.25
